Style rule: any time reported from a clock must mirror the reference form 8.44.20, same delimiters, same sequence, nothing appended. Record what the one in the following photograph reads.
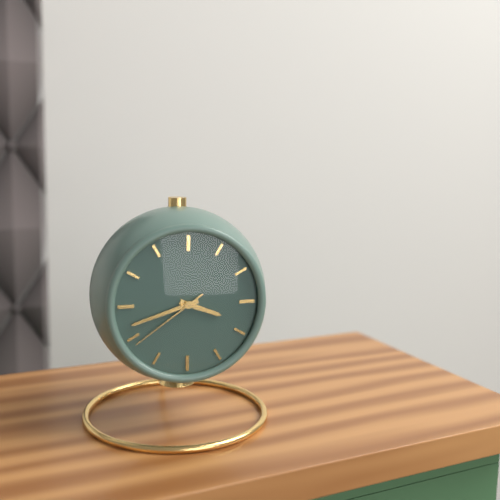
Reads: 3.42.39
